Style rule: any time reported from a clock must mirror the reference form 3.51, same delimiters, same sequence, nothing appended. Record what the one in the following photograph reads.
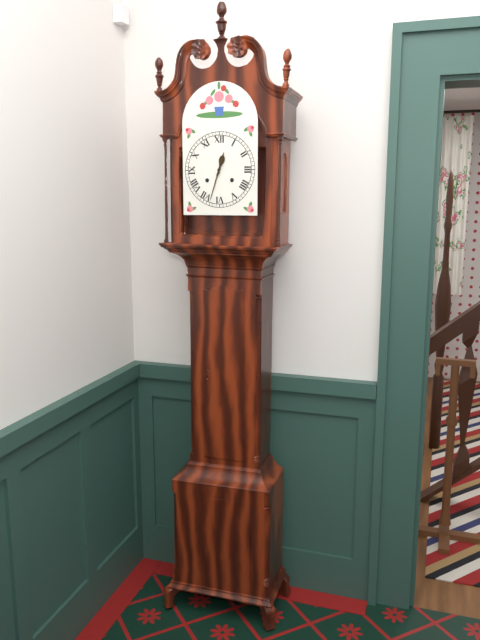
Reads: 12.33
